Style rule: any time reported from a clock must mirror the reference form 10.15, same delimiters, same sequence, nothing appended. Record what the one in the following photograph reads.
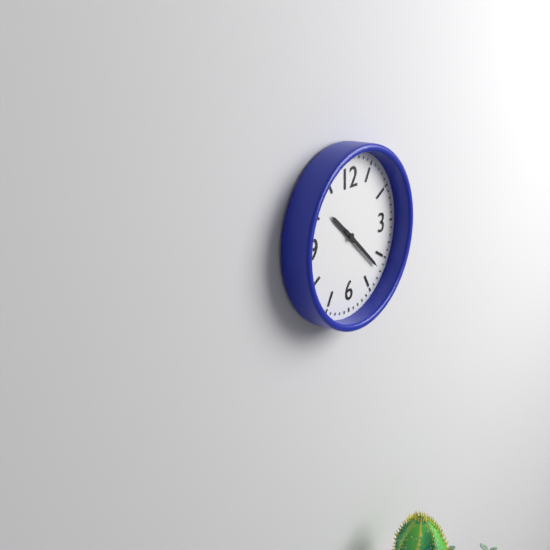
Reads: 10.22
